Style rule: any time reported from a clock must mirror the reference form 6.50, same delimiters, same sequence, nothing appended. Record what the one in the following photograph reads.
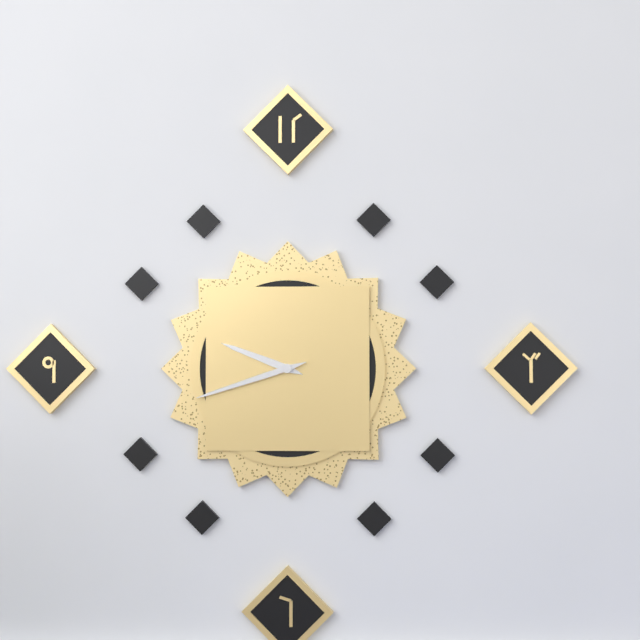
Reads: 9.42
